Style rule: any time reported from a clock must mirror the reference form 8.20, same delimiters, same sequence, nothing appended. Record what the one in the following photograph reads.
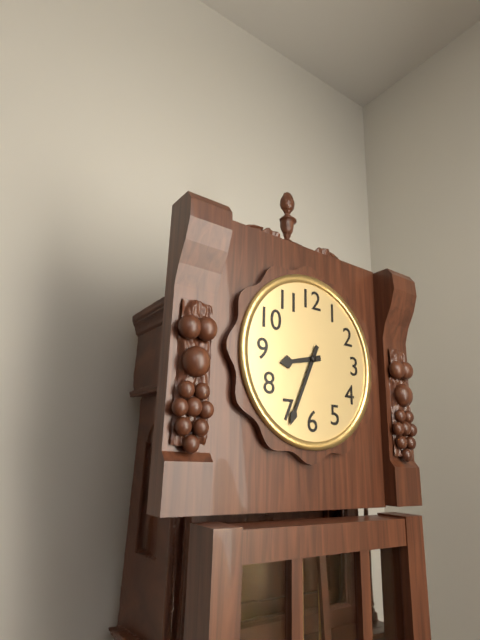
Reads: 8.34
